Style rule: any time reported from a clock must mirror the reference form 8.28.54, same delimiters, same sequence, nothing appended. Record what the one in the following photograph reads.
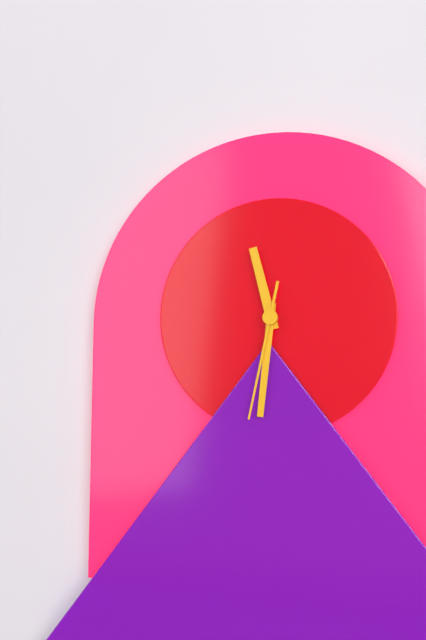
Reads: 11.31.32
